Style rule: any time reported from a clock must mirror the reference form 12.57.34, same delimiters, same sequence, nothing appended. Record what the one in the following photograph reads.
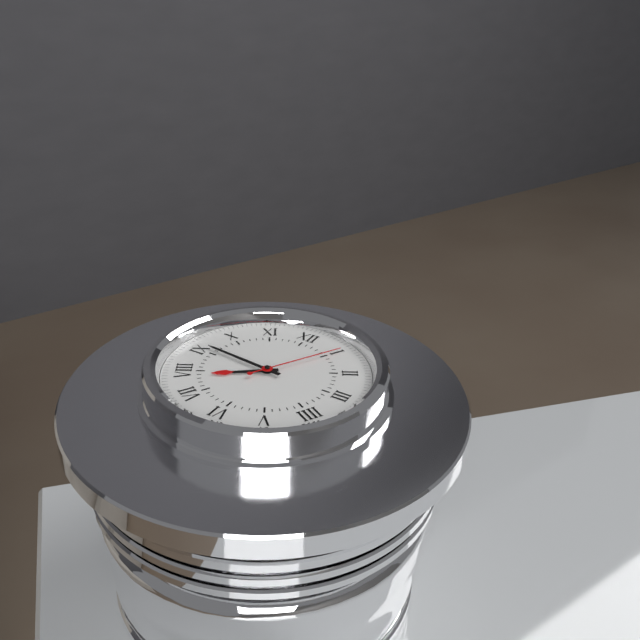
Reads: 7.46.05
